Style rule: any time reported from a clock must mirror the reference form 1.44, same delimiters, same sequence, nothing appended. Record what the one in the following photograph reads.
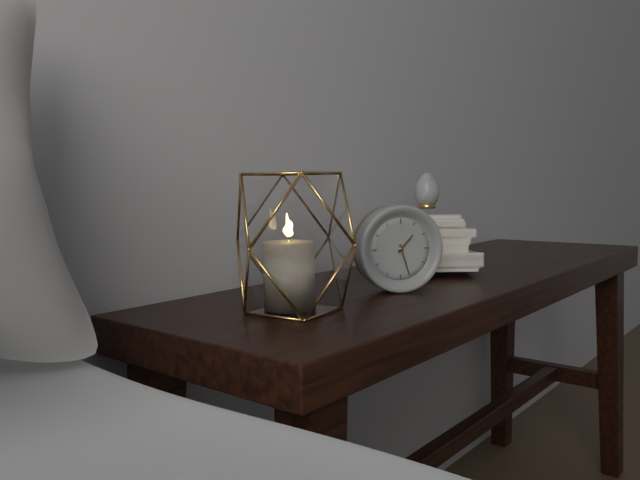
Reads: 1.27
